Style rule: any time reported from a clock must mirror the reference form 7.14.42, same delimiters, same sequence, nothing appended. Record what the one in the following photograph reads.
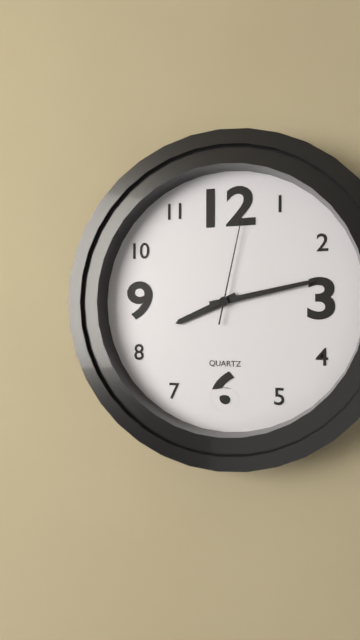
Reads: 8.13.02
